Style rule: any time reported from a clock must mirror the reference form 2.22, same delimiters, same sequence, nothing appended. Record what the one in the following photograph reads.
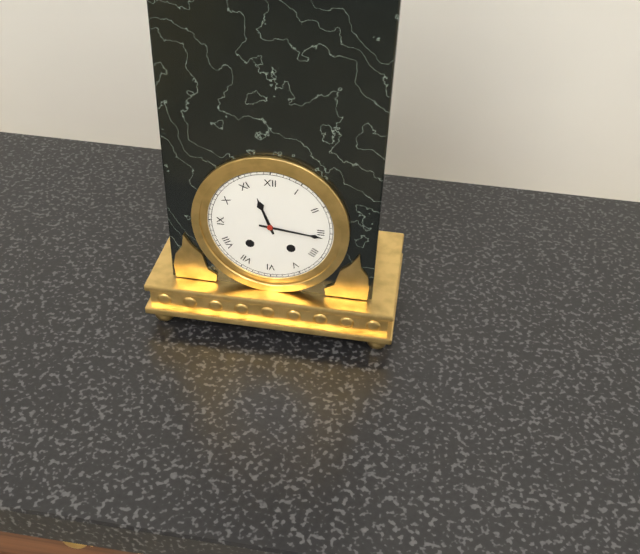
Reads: 11.16
